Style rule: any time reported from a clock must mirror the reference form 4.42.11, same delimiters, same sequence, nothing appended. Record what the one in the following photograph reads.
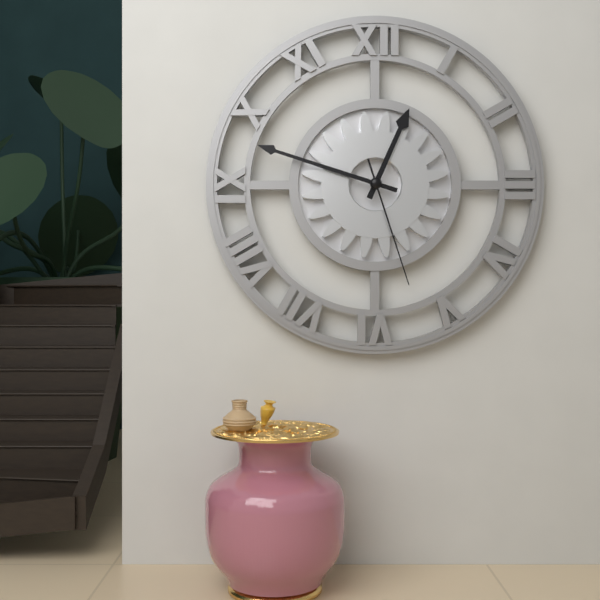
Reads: 12.48.27
